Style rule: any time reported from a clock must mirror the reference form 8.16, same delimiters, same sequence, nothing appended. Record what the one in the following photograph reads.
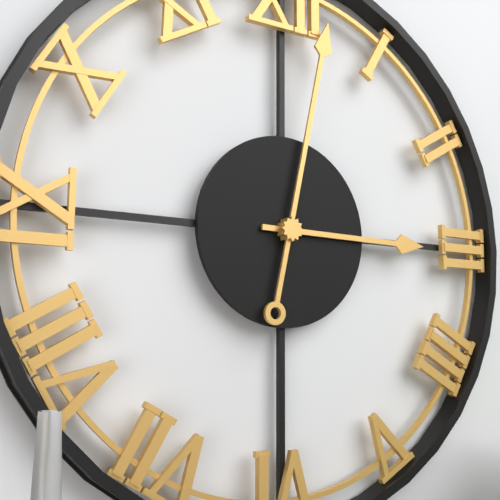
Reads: 3.02
